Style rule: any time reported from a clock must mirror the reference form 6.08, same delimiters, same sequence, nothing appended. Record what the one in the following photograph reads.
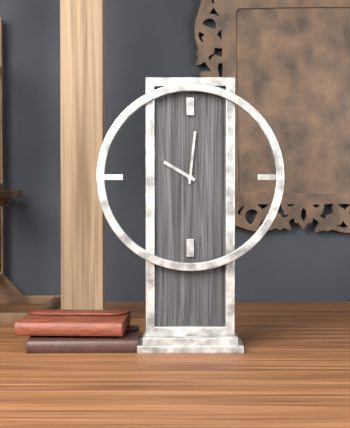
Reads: 10.01
